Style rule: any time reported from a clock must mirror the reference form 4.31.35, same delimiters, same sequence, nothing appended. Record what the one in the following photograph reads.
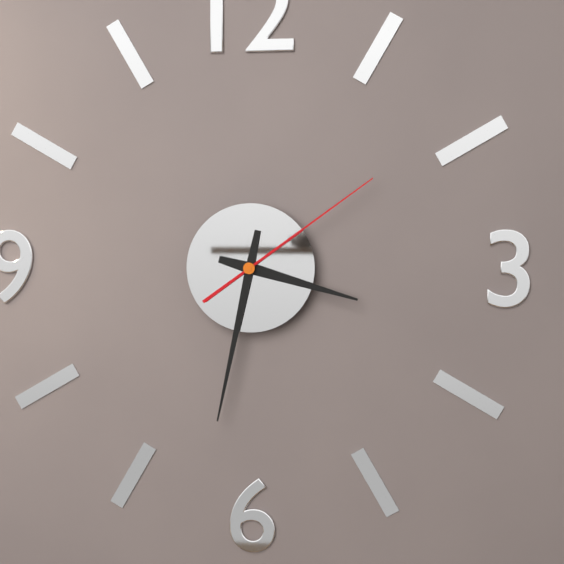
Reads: 3.32.09
